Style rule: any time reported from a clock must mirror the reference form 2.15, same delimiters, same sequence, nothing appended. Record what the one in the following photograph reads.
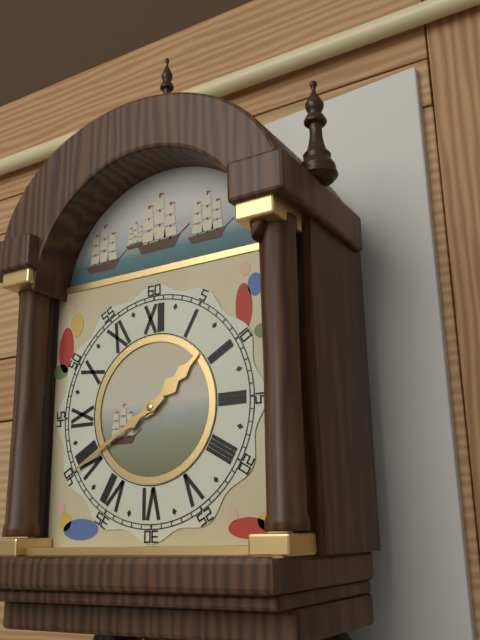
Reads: 1.40
